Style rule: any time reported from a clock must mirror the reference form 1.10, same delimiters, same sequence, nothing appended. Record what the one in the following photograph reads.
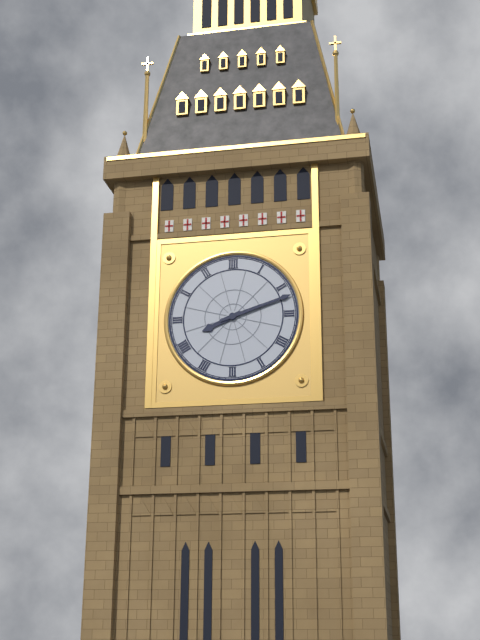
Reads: 8.12
